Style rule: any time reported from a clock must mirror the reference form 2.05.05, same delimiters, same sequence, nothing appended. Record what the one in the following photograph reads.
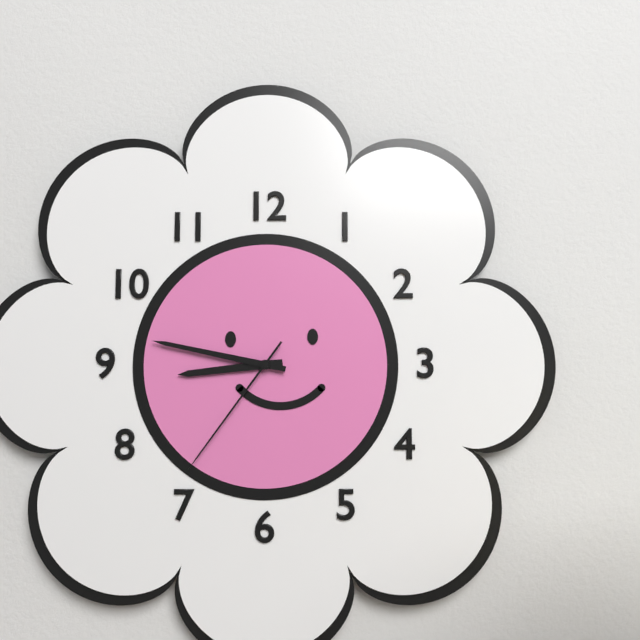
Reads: 8.47.36
